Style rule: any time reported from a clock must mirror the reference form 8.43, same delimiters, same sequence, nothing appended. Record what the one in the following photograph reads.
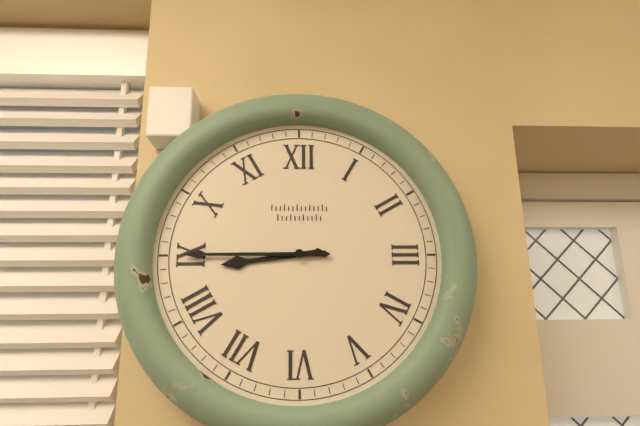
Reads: 8.45
